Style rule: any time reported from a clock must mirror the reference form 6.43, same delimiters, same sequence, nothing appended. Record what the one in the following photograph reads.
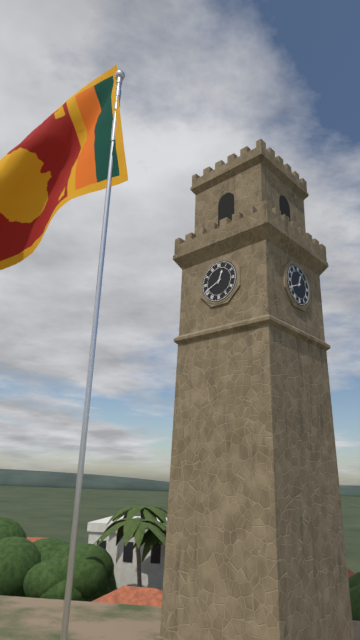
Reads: 12.41
